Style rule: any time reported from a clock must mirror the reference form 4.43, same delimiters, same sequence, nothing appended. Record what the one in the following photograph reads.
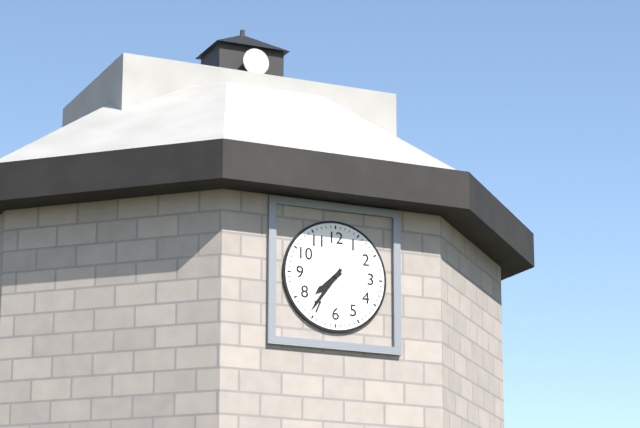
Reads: 7.36
